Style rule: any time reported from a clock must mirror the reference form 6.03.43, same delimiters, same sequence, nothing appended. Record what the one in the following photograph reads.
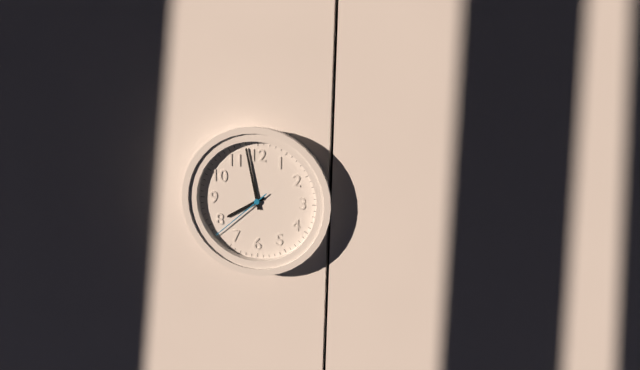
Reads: 7.58.38
